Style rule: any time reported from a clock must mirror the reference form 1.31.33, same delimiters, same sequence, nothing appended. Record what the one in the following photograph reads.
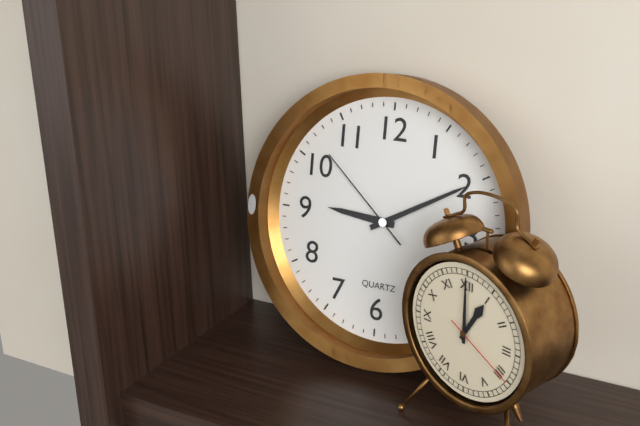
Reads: 9.10.52
